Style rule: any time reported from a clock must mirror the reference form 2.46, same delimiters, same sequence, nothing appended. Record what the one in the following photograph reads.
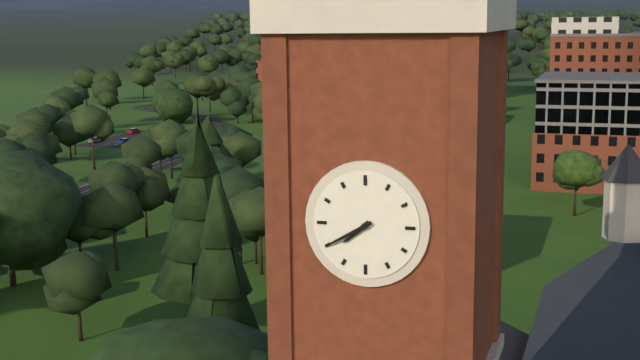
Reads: 7.40
